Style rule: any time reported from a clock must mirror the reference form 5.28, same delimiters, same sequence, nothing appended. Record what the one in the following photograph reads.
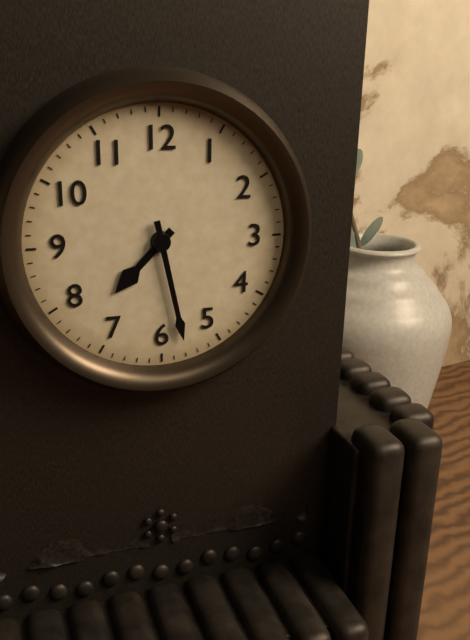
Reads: 7.28
